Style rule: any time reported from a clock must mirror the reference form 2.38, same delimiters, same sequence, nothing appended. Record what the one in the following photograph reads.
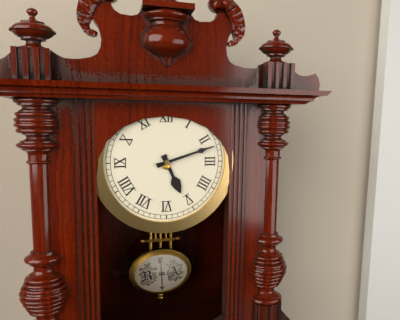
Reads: 5.12
